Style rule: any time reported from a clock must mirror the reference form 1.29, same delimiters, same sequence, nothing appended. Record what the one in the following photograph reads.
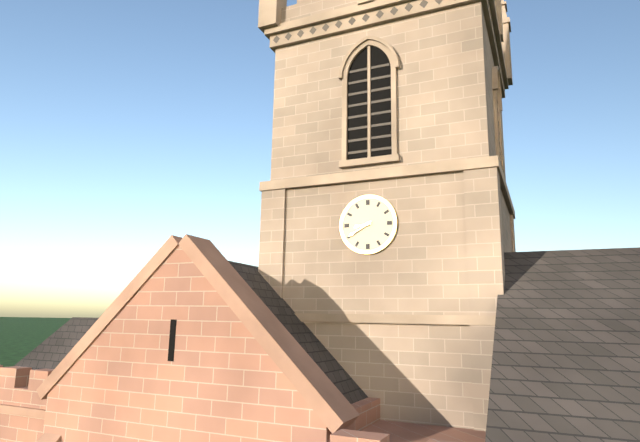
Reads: 8.40
